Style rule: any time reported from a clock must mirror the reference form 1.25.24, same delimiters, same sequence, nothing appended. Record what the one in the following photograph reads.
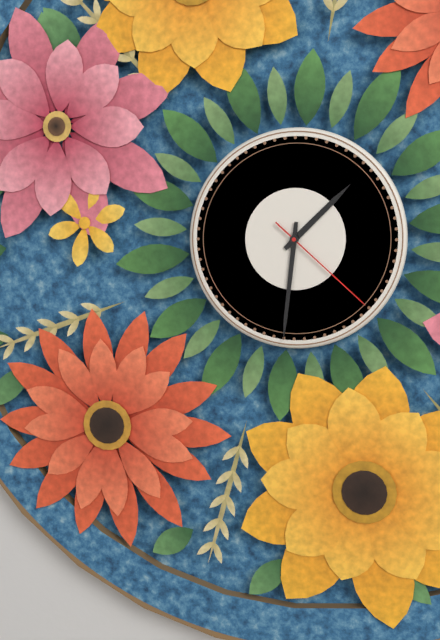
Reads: 1.31.22
